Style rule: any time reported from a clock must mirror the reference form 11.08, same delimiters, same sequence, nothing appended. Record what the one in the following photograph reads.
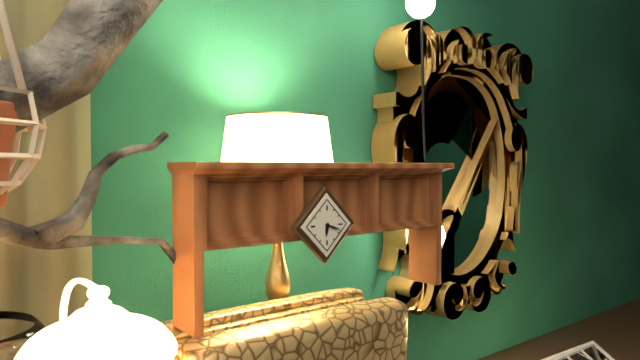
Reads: 6.18
